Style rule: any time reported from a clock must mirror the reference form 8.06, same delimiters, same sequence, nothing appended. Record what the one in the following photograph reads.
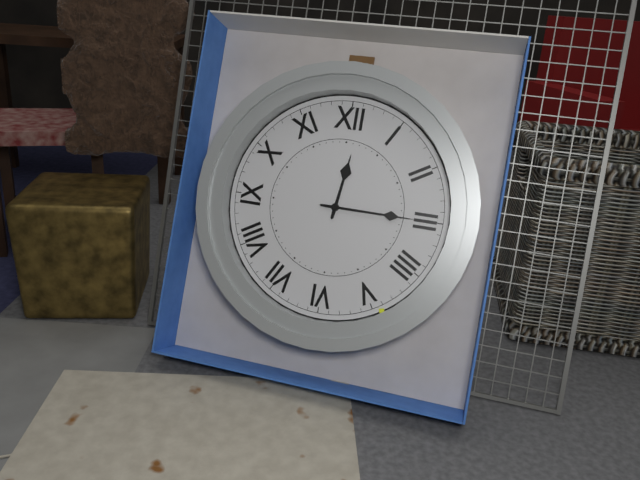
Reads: 12.15
